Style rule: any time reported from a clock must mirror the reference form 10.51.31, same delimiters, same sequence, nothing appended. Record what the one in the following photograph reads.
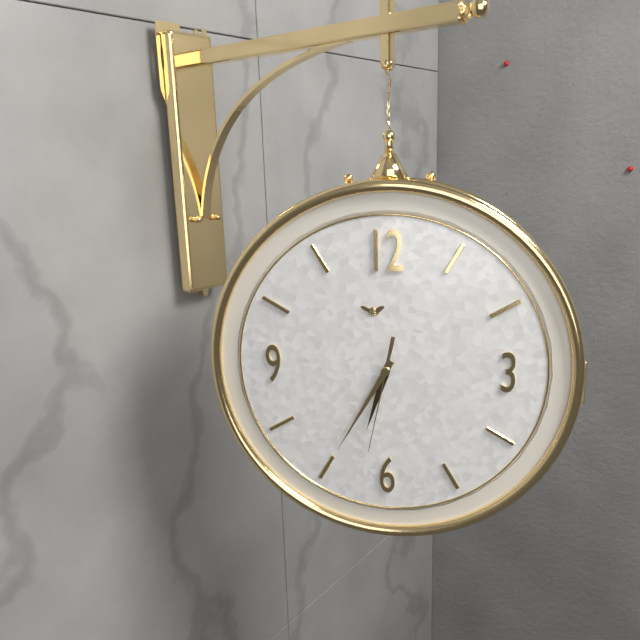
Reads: 6.35.32
